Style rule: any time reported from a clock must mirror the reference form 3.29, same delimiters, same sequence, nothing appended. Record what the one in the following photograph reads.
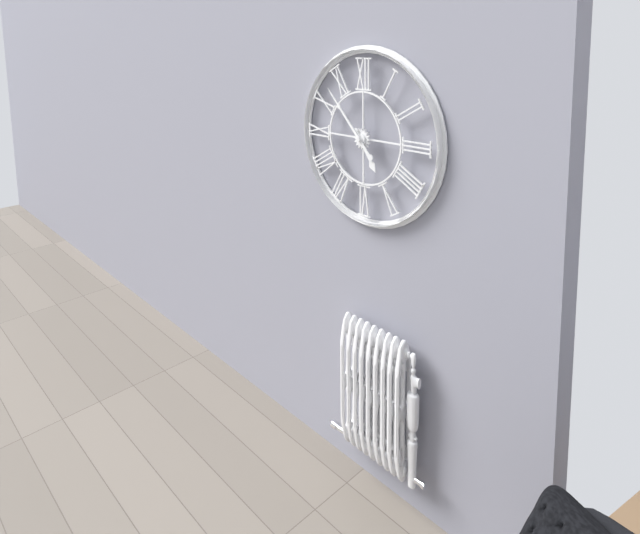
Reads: 4.53
